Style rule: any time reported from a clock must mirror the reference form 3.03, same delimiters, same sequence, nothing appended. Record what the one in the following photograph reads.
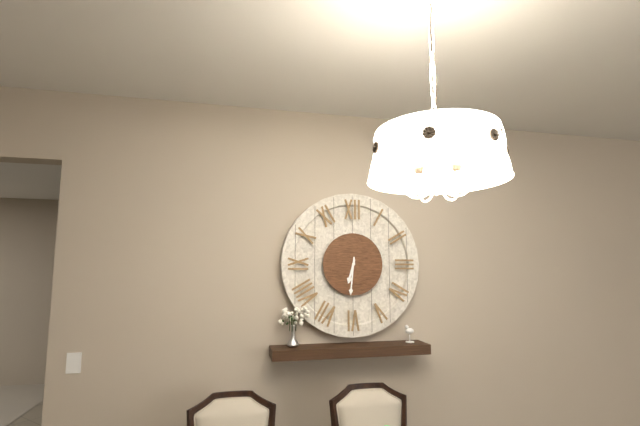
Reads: 6.31
